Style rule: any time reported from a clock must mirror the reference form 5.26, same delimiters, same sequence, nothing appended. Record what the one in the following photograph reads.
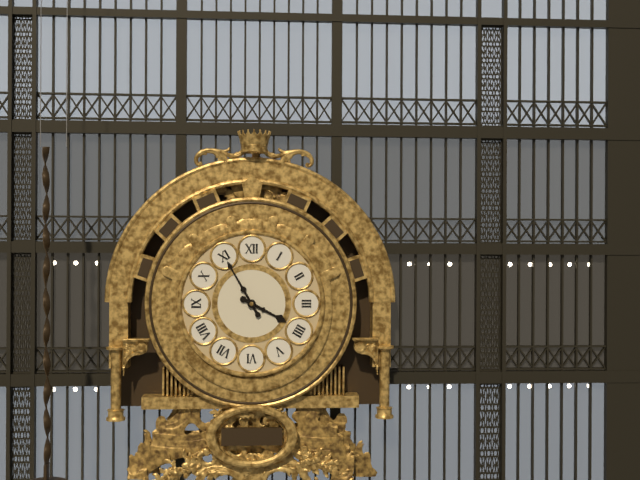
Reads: 3.55
